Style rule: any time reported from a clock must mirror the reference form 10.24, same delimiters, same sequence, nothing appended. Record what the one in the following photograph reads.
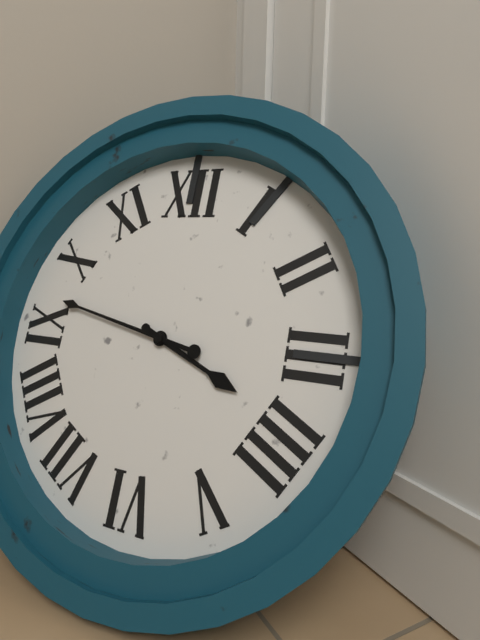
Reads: 3.47
